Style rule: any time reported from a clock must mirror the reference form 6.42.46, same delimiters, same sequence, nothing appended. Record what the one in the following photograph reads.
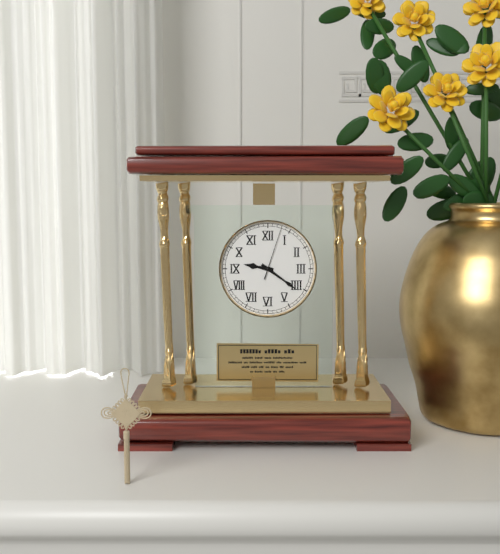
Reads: 9.21.03
